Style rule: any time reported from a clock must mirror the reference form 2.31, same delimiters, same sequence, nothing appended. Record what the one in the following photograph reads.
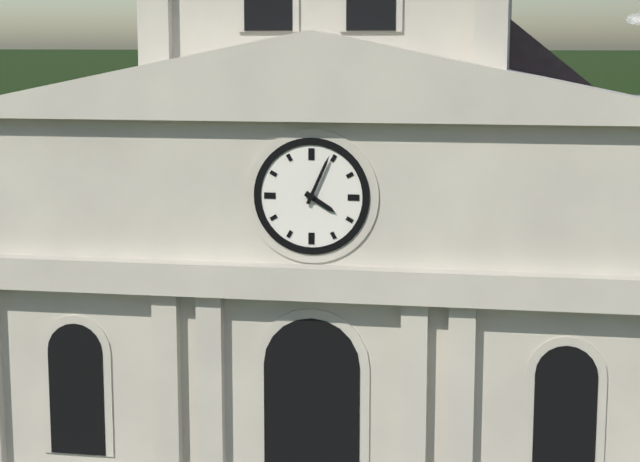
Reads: 4.04
